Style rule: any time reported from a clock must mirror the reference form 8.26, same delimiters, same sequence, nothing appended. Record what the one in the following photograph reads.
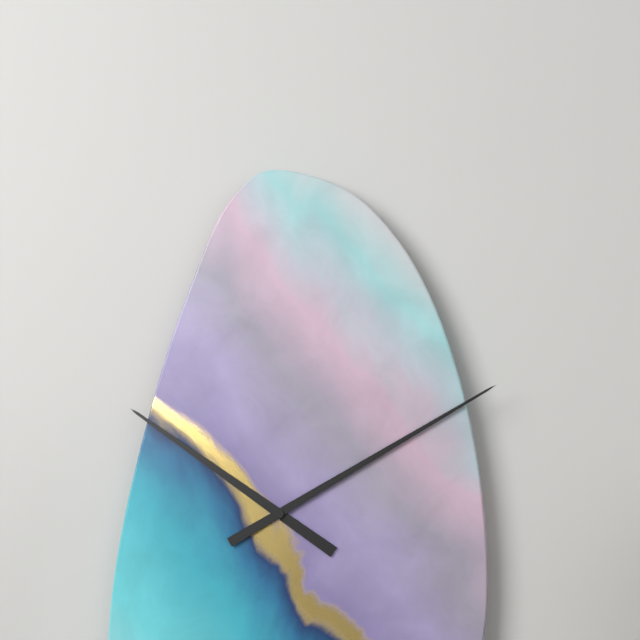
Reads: 10.10
